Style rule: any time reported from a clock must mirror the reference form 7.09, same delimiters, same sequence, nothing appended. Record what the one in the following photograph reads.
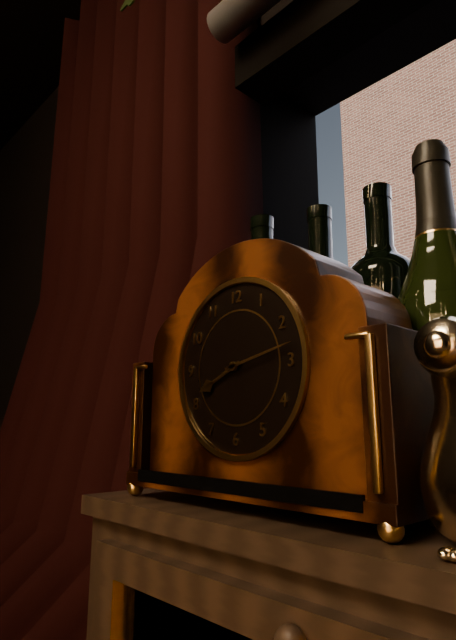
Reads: 8.13
